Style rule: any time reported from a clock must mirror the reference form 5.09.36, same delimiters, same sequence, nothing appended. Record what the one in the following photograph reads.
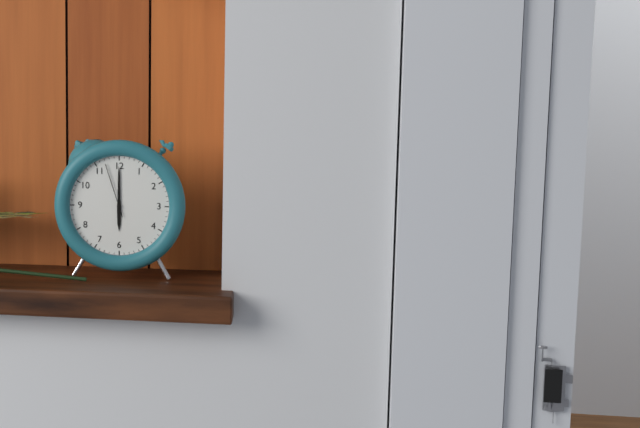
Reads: 6.00.57
